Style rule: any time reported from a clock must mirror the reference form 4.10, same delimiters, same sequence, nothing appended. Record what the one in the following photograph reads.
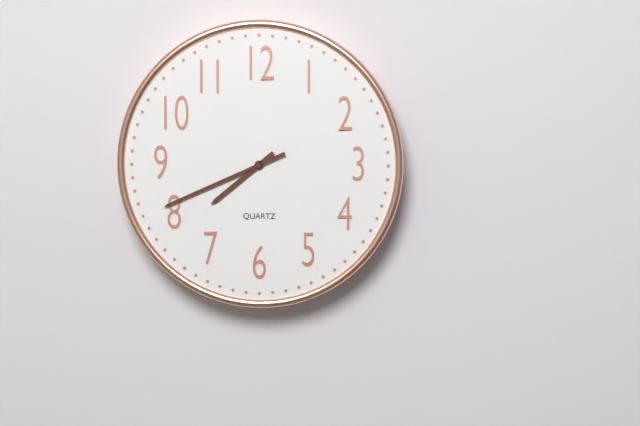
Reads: 7.41
